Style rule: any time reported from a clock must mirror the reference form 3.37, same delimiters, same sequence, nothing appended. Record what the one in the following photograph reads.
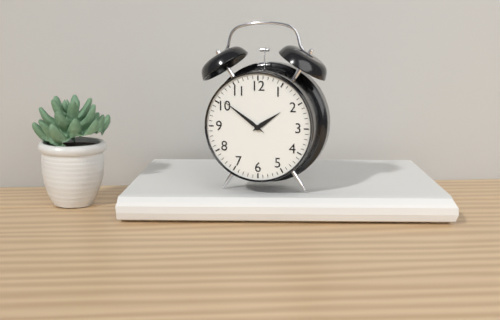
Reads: 1.51
